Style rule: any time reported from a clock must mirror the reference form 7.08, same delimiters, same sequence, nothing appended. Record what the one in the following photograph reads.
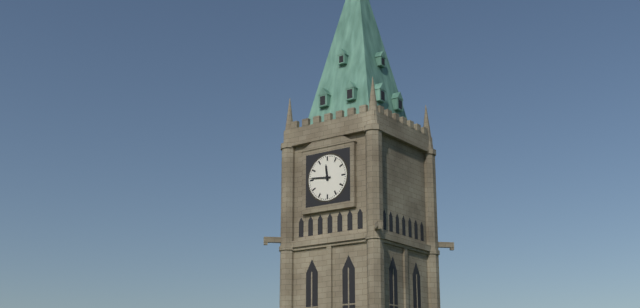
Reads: 11.46
